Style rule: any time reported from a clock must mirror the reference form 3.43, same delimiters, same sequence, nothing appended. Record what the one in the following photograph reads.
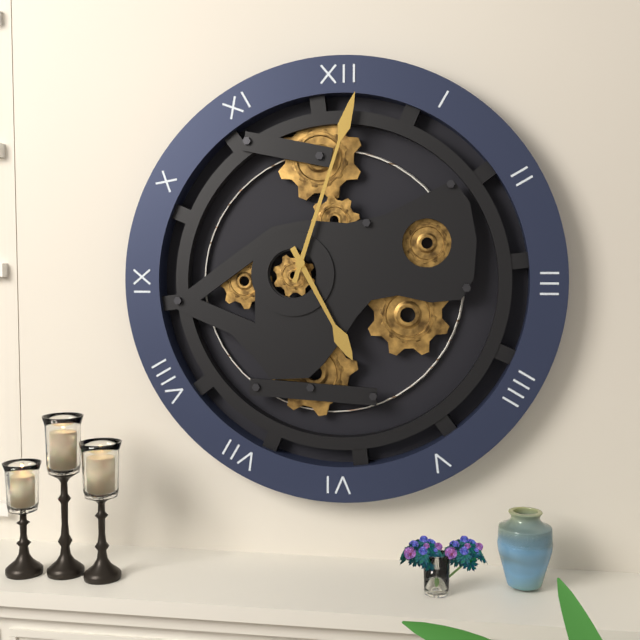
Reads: 5.03
